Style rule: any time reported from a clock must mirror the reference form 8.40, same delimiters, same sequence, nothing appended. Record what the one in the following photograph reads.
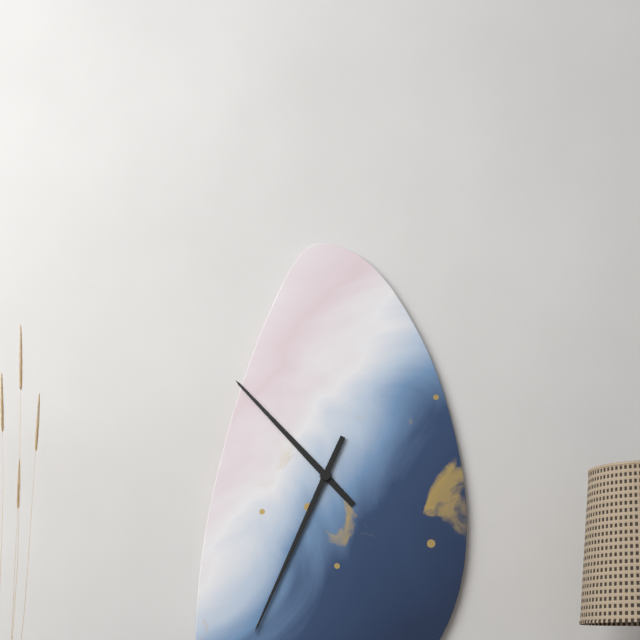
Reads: 10.34
